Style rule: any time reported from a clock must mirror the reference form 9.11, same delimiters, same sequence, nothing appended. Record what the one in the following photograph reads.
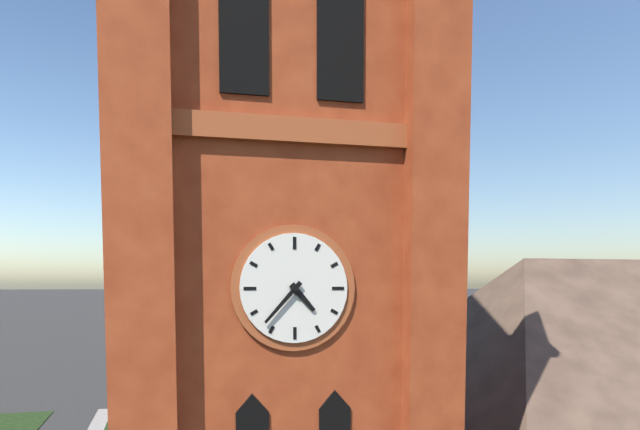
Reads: 4.37
